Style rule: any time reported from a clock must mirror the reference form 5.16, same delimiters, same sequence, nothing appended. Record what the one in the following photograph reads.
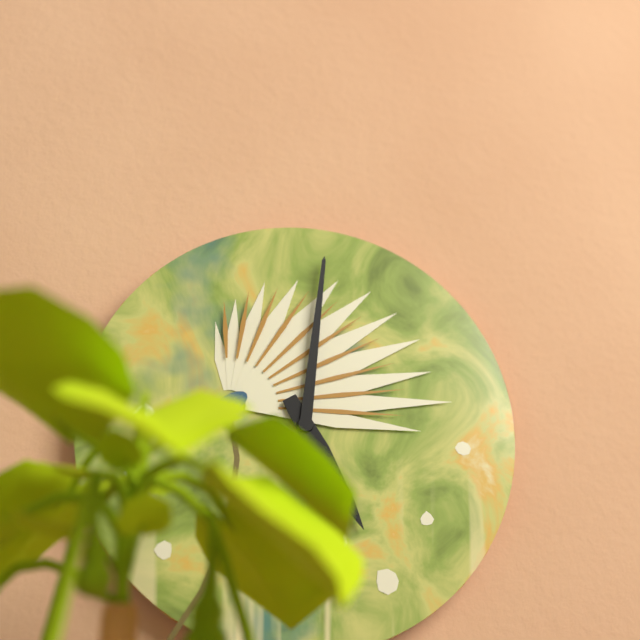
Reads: 5.01
